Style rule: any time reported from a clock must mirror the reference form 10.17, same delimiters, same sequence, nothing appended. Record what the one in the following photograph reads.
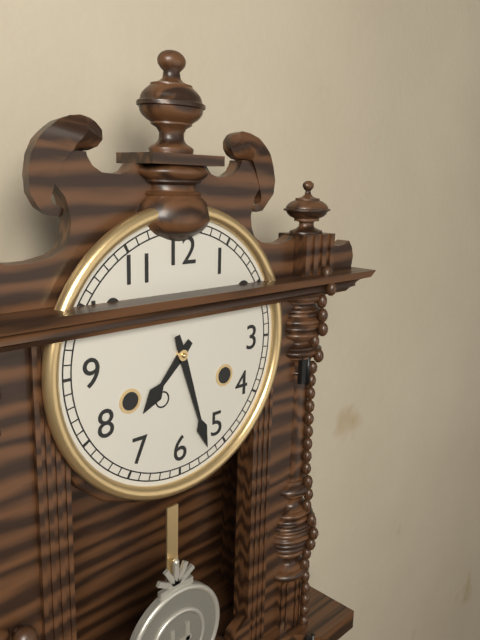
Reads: 7.27
